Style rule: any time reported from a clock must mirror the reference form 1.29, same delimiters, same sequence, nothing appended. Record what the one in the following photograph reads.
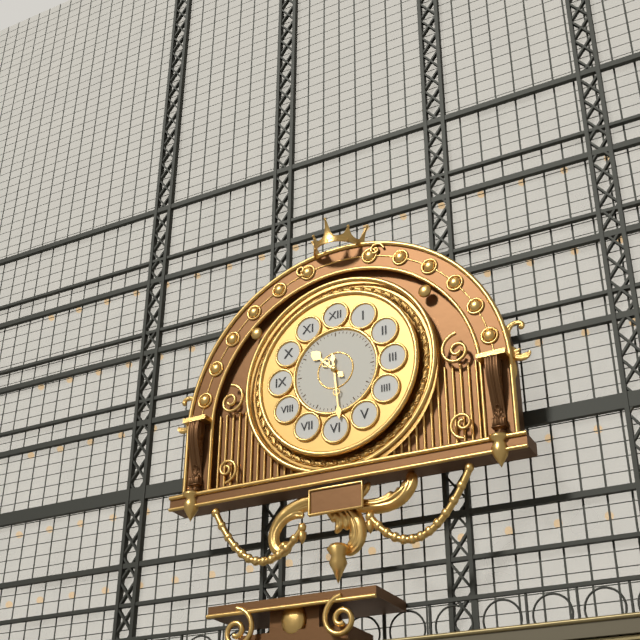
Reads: 10.29
